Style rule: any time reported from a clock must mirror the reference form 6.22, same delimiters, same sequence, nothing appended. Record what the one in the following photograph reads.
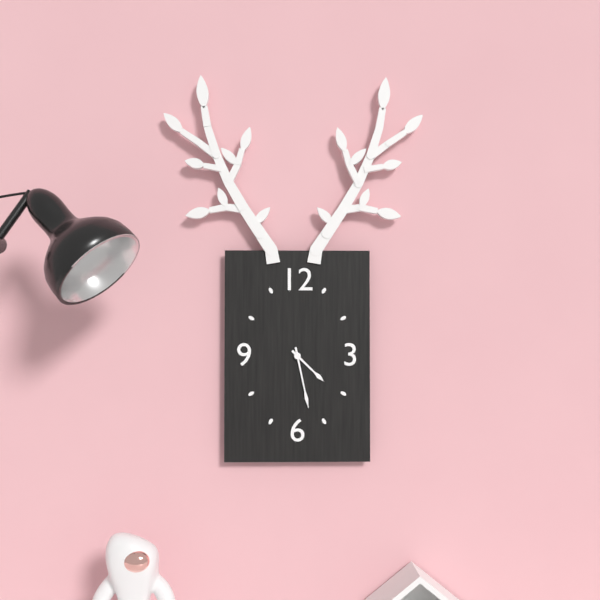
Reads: 4.28
